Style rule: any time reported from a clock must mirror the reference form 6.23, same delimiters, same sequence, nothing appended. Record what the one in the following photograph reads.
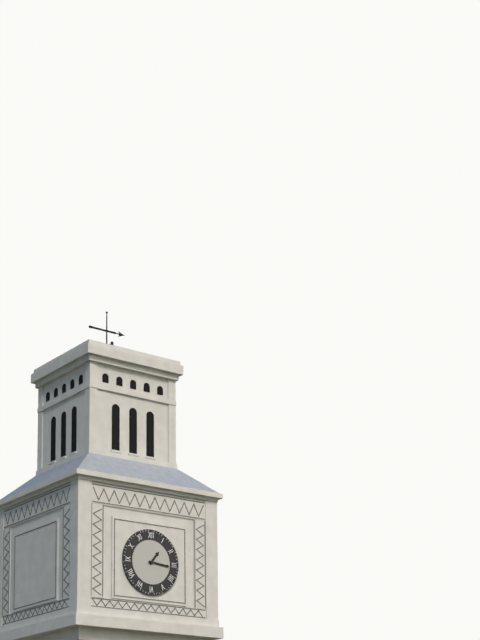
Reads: 1.16
